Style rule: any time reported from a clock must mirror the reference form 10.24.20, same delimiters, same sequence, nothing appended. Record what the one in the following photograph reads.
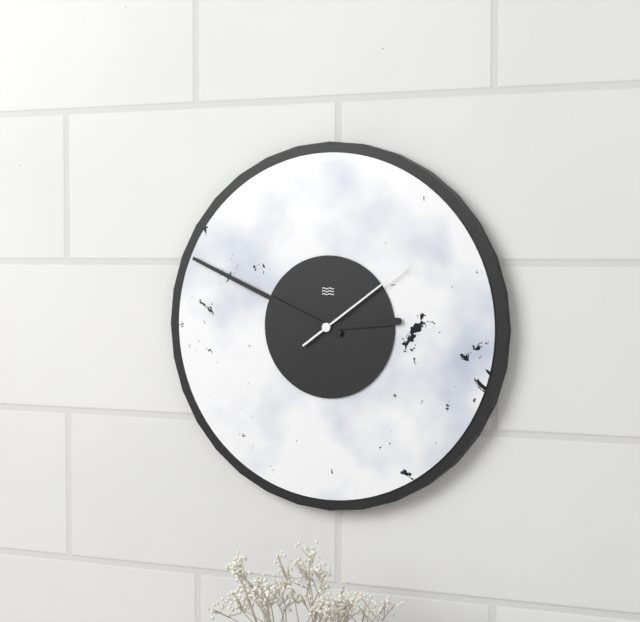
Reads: 2.49.09
